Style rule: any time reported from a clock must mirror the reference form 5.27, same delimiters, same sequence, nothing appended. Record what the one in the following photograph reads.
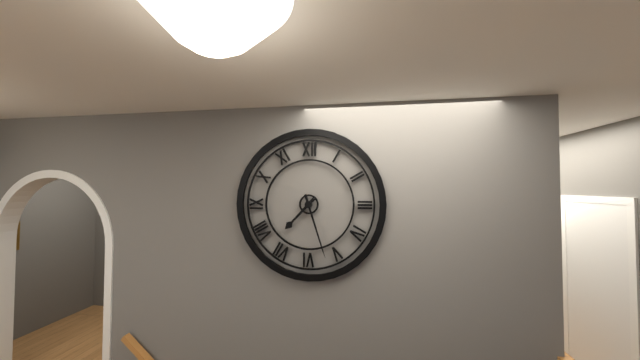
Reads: 7.27
